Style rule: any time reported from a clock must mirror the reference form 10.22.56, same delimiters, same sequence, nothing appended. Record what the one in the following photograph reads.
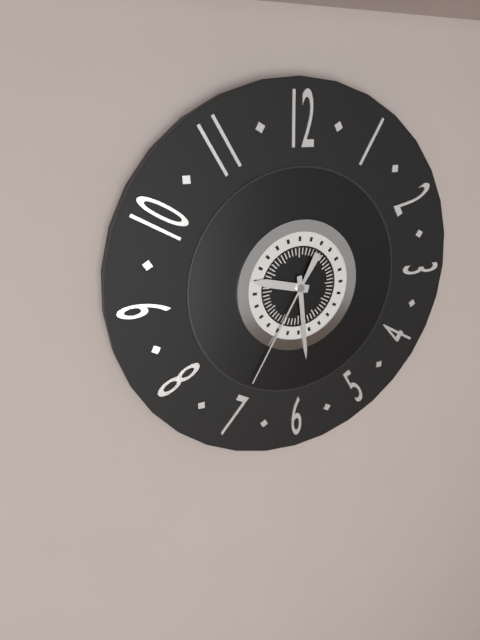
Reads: 9.29.35
